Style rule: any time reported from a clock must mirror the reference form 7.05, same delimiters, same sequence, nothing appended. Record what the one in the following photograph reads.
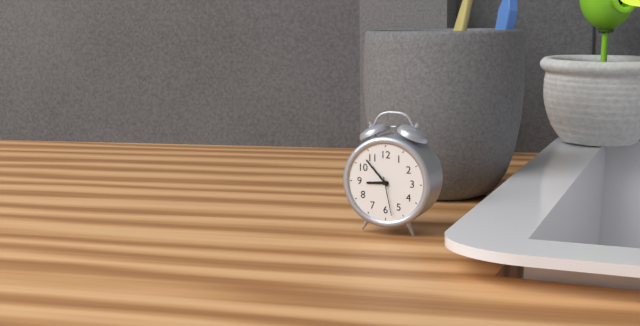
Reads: 8.53
